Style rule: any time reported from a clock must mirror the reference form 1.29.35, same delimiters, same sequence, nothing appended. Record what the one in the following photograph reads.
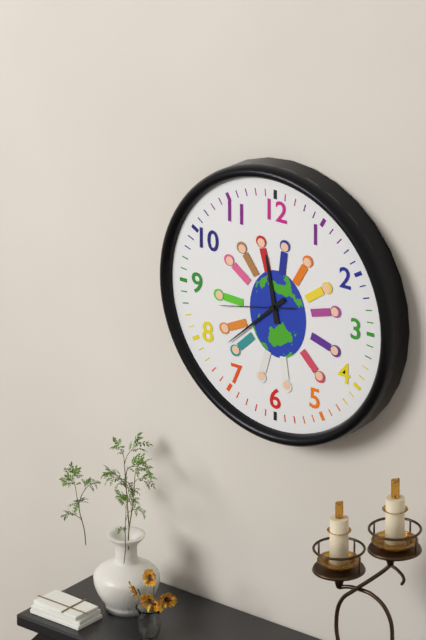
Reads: 11.38.43
